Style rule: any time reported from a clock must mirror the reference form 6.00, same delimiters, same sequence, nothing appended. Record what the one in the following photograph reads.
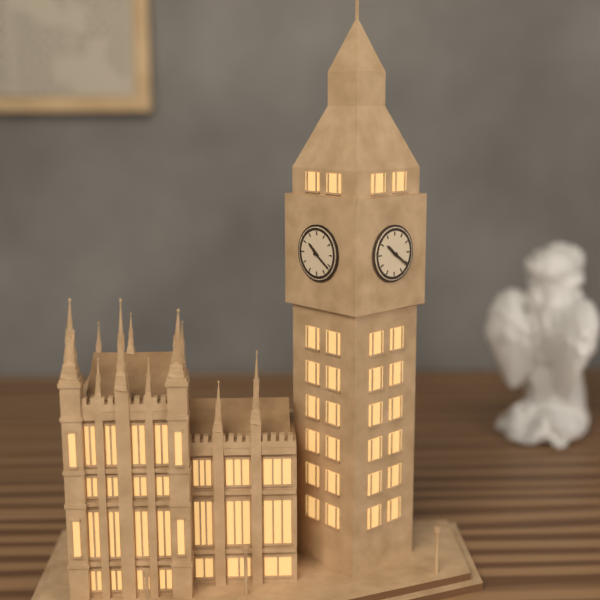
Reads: 10.21
